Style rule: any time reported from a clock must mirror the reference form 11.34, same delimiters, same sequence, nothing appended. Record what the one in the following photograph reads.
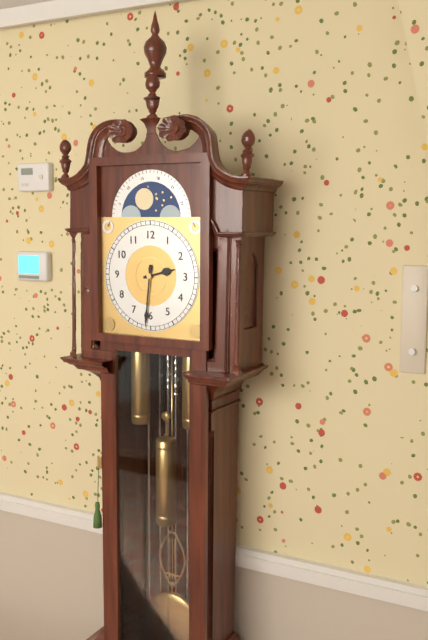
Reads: 2.31
